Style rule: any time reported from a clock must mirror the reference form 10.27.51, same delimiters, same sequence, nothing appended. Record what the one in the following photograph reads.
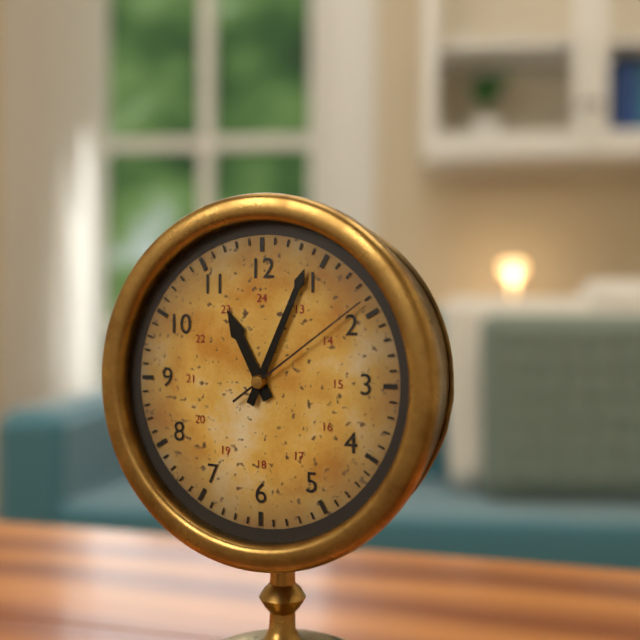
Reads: 11.04.09
